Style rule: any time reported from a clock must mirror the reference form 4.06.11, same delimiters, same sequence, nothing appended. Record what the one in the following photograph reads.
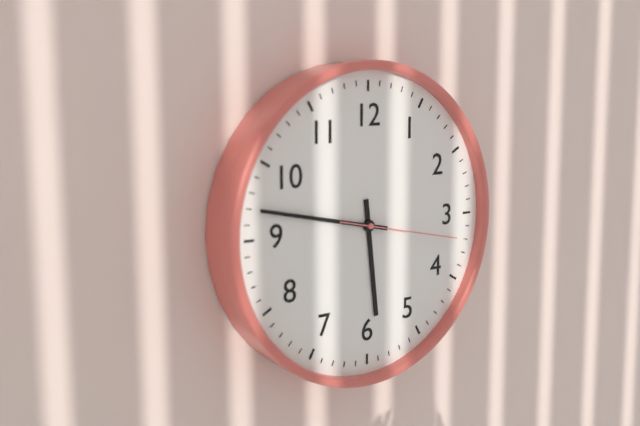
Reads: 5.47.17
